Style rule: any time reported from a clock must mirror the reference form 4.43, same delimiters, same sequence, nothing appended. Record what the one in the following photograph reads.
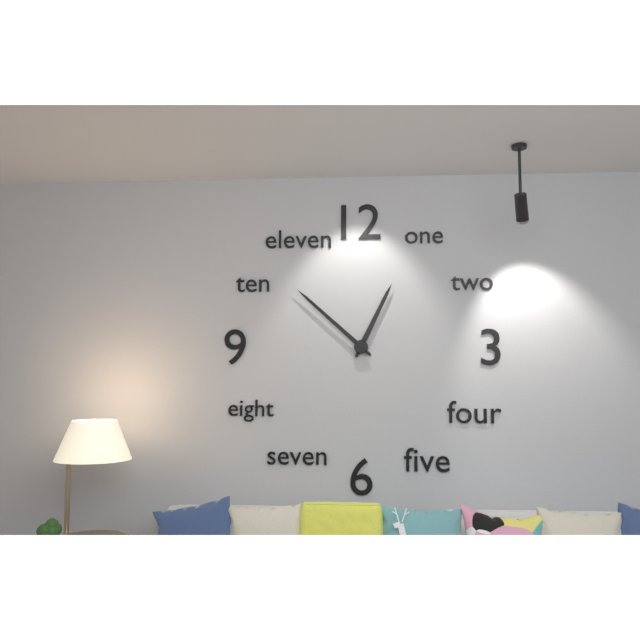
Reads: 12.52
